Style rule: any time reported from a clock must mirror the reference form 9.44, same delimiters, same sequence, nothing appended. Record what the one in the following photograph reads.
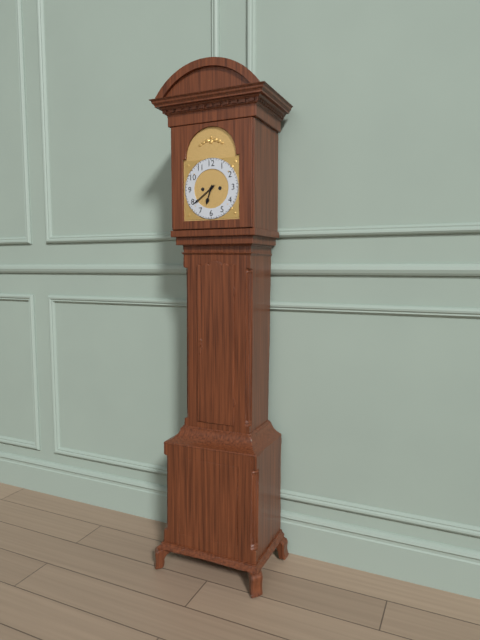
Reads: 6.39
